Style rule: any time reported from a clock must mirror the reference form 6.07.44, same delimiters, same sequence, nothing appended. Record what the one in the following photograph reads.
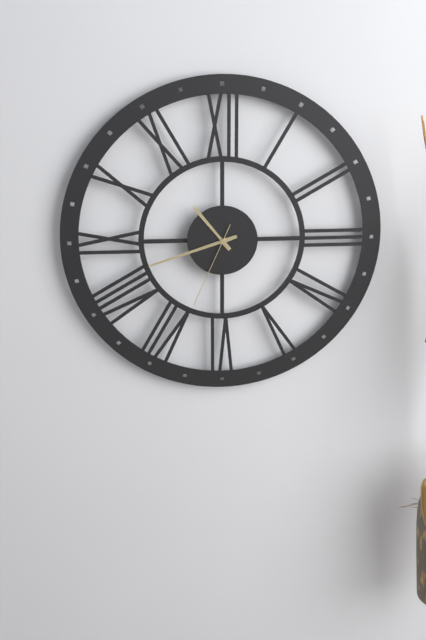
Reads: 10.42.34
